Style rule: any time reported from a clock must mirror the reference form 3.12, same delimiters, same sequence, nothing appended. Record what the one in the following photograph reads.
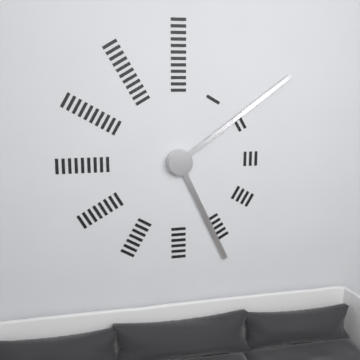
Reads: 5.09
